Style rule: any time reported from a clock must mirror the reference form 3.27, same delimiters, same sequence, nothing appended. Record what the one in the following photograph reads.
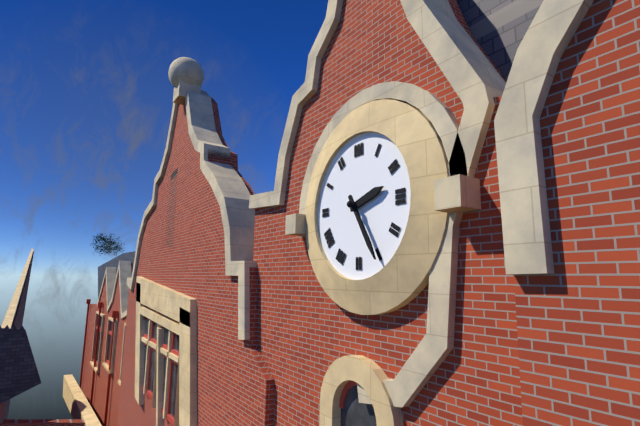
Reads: 2.25
